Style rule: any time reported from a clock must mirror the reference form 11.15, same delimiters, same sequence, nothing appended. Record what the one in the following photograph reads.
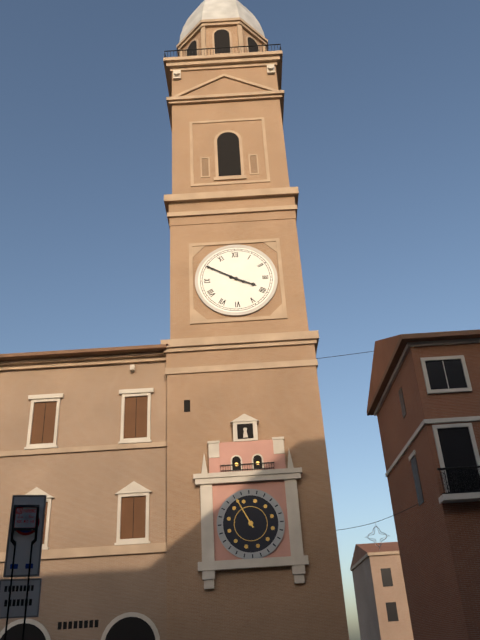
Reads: 3.50
